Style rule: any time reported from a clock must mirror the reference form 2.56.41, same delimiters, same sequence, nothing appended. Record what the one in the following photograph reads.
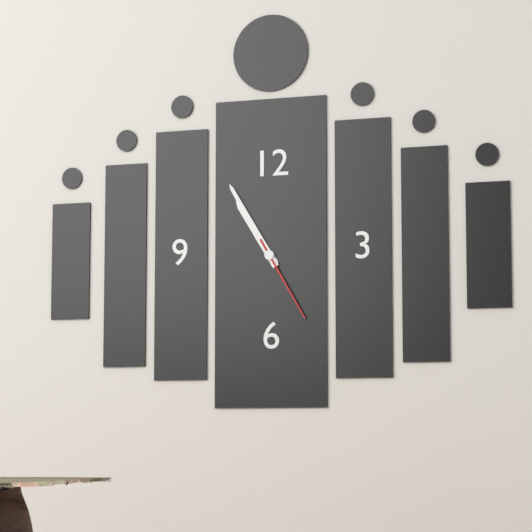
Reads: 10.55.25
